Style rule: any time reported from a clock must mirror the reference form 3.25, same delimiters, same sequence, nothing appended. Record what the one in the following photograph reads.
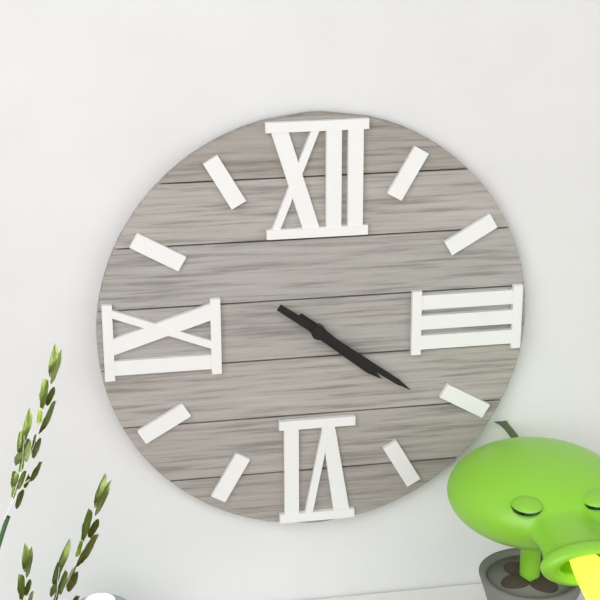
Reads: 4.21
